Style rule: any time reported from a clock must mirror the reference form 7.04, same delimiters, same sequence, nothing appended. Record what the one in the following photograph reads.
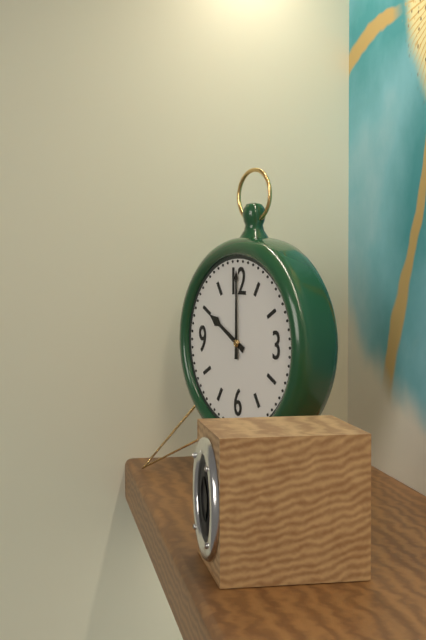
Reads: 10.00
